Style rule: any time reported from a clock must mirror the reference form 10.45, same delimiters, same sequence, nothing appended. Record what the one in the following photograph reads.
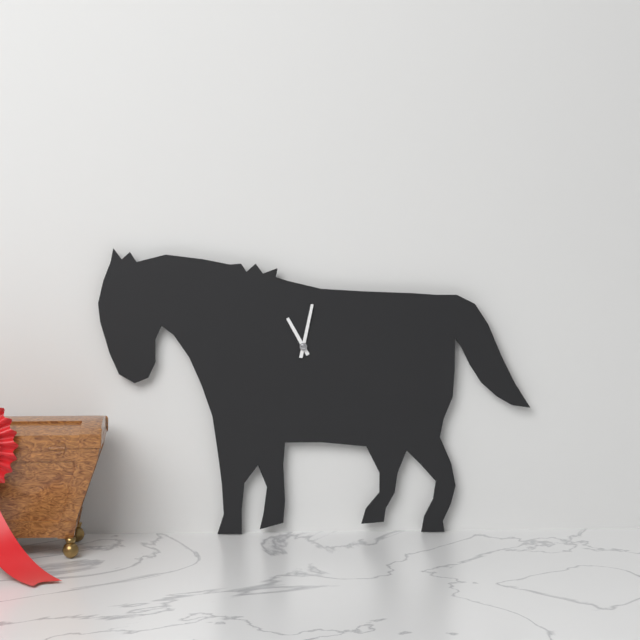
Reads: 11.02
